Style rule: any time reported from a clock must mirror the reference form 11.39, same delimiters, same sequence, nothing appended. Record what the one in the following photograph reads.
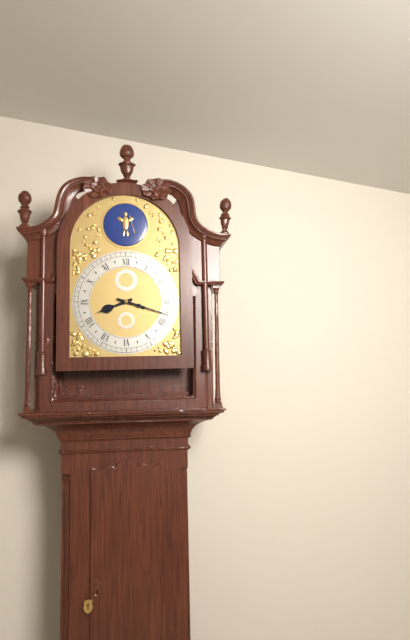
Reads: 8.18
